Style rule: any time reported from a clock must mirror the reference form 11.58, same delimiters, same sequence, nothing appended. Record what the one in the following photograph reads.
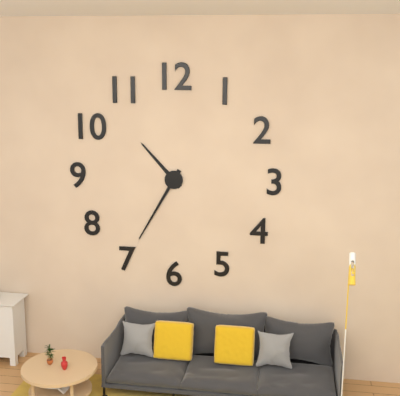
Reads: 10.35
